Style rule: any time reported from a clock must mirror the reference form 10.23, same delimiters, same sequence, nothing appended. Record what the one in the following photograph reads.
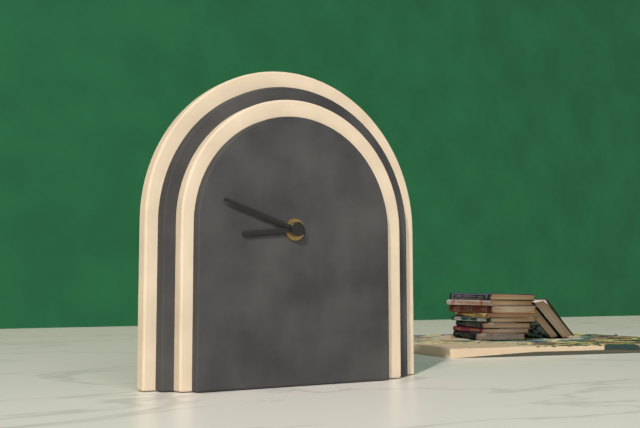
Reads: 8.48
